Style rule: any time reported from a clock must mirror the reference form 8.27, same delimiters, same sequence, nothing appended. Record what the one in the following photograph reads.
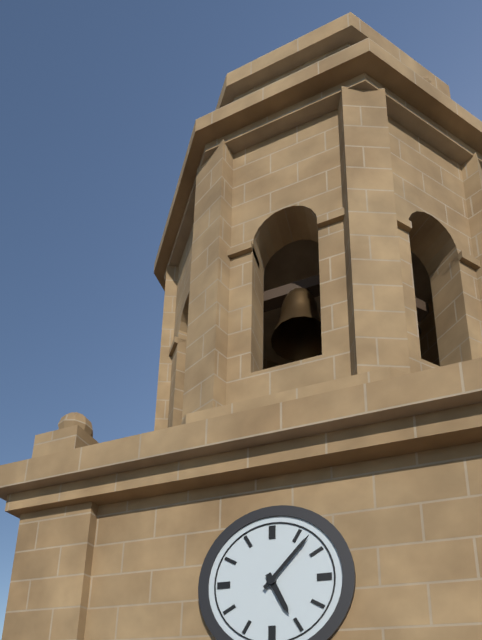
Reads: 5.07
